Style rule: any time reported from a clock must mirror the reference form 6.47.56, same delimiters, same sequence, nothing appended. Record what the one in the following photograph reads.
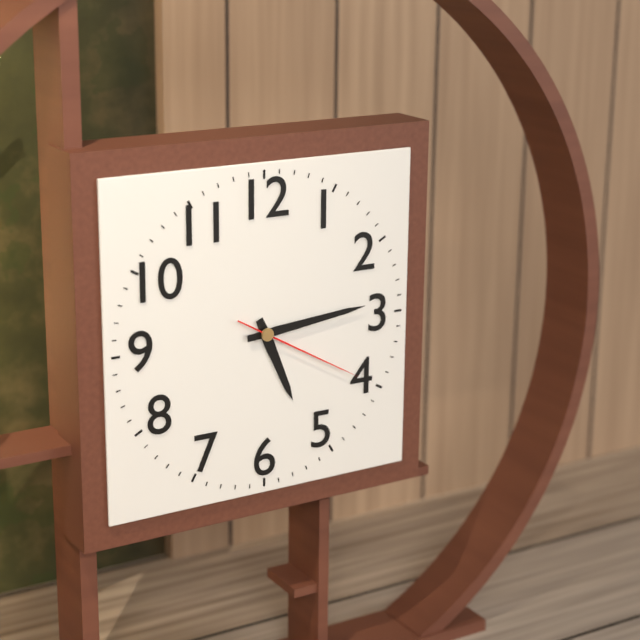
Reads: 5.14.20
